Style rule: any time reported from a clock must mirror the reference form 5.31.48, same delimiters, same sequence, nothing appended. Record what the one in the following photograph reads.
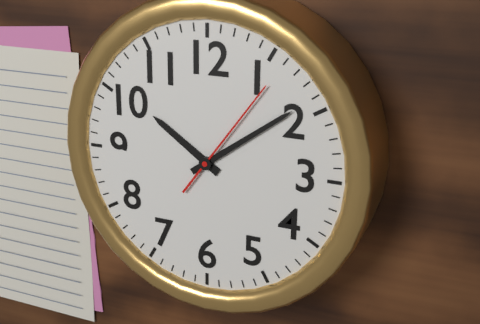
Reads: 10.09.06
